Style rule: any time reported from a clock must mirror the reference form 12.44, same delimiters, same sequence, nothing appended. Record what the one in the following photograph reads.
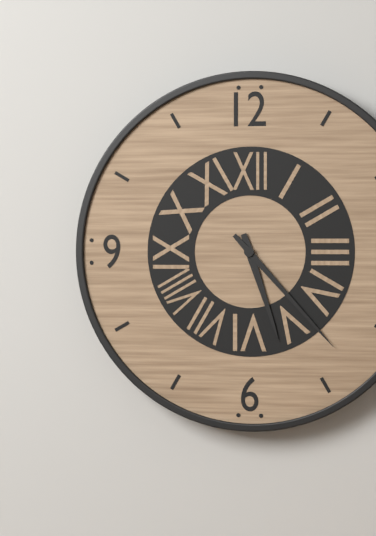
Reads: 5.23
